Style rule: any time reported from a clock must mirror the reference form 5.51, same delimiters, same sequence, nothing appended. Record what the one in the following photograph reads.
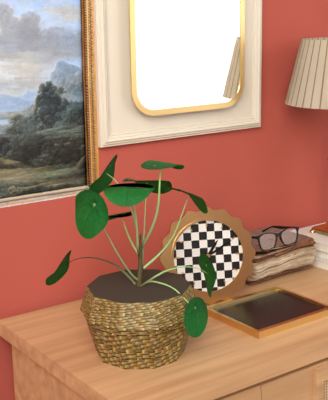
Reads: 1.10
